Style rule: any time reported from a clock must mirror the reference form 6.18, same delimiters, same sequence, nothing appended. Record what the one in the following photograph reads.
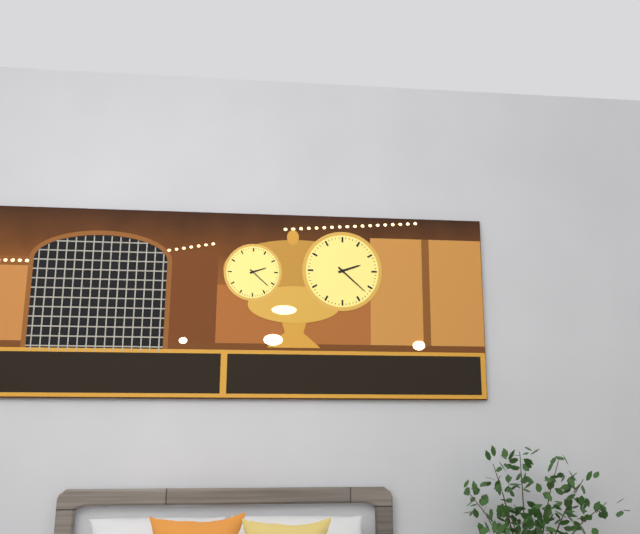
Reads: 2.22
